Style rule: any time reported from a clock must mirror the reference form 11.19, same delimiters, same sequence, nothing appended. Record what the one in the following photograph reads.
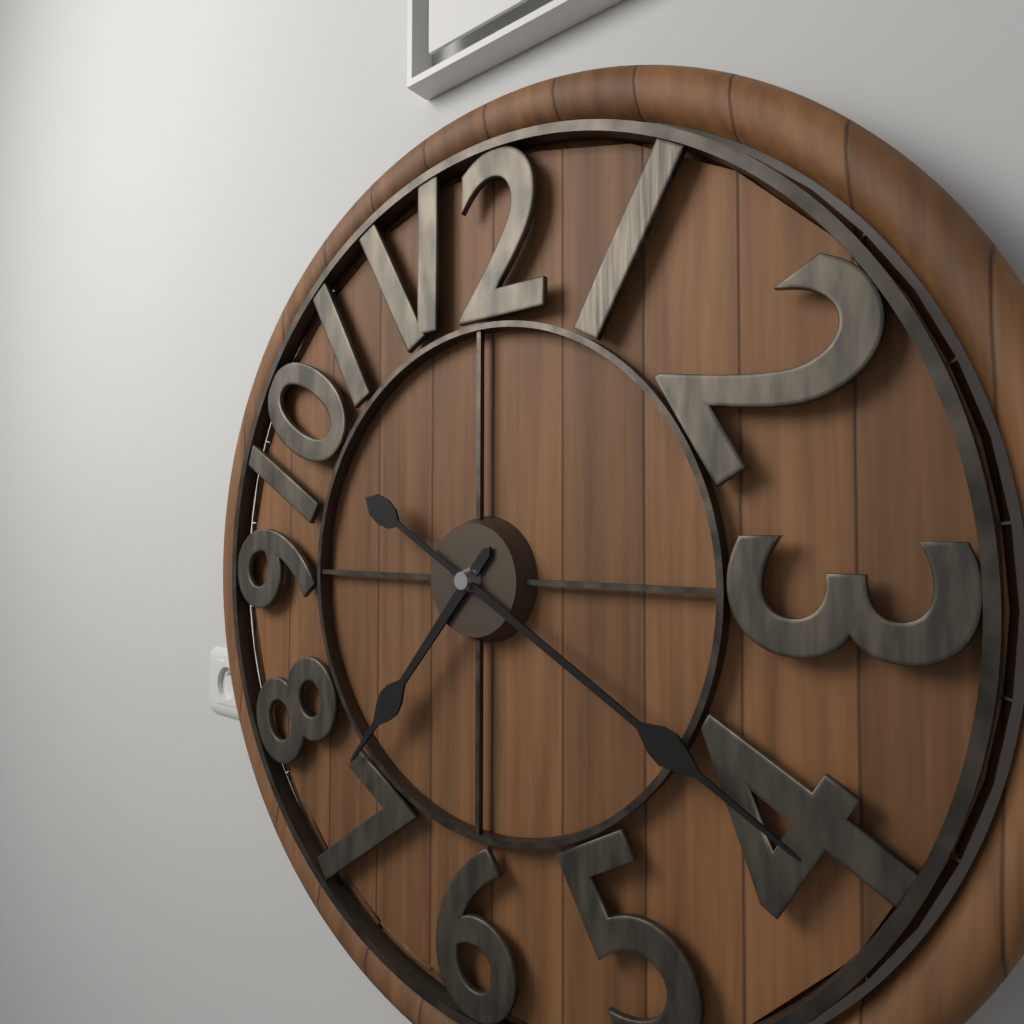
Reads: 7.20
